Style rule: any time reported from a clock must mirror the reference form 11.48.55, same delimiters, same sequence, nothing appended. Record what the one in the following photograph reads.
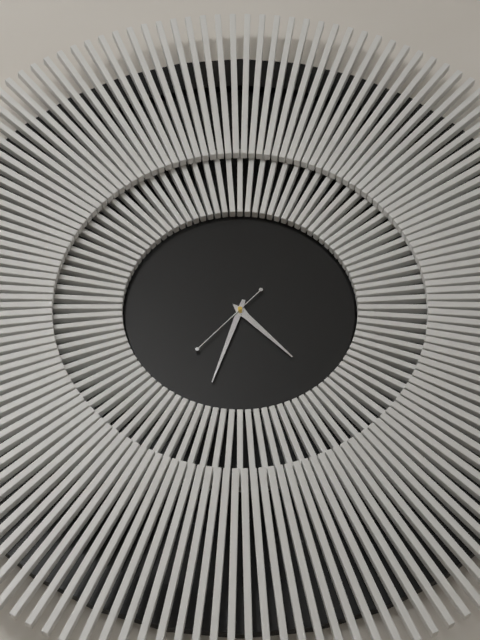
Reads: 4.33.37
